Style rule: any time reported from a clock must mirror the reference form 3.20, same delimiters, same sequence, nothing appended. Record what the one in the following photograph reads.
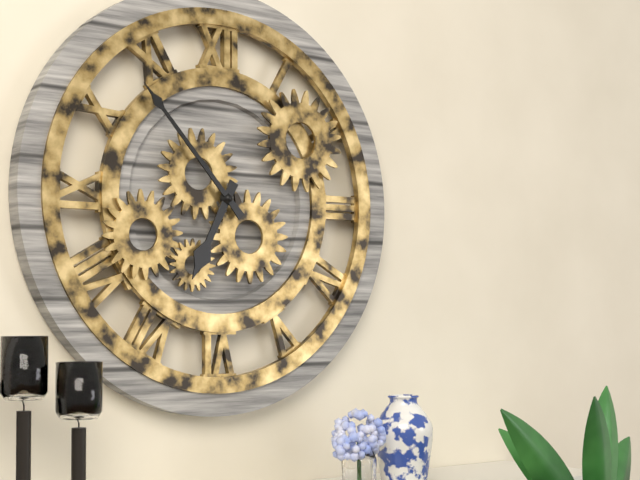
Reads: 6.53
